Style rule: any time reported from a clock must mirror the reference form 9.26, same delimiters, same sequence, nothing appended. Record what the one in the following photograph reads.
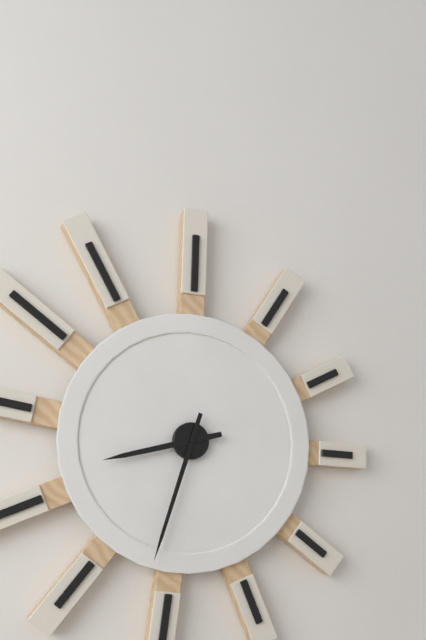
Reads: 8.33
